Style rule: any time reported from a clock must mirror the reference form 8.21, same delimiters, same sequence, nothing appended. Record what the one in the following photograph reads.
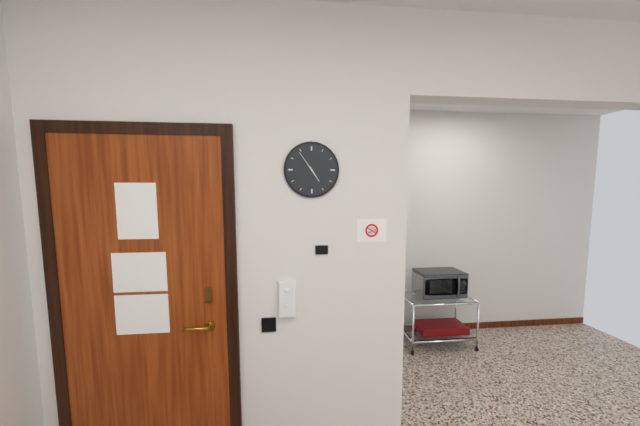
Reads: 4.54
